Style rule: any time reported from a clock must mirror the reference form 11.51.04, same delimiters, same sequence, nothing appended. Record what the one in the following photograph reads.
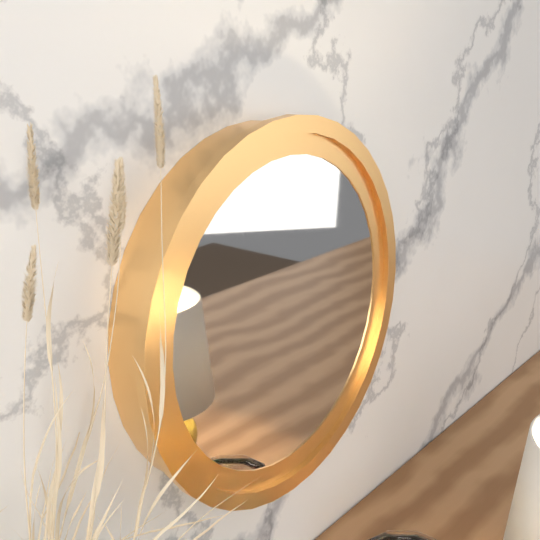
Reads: 6.16.56
